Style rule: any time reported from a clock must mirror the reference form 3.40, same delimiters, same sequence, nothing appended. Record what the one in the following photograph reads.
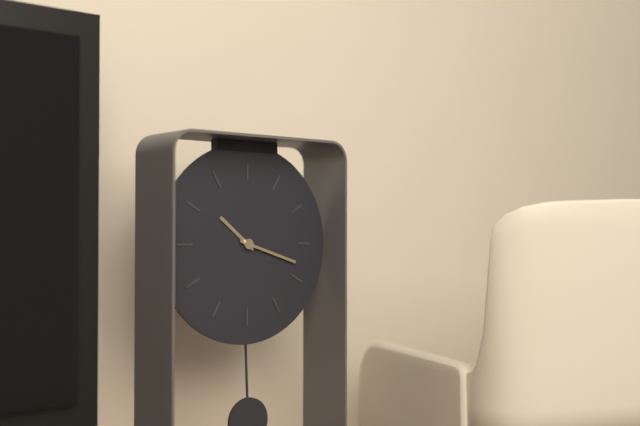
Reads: 10.18
